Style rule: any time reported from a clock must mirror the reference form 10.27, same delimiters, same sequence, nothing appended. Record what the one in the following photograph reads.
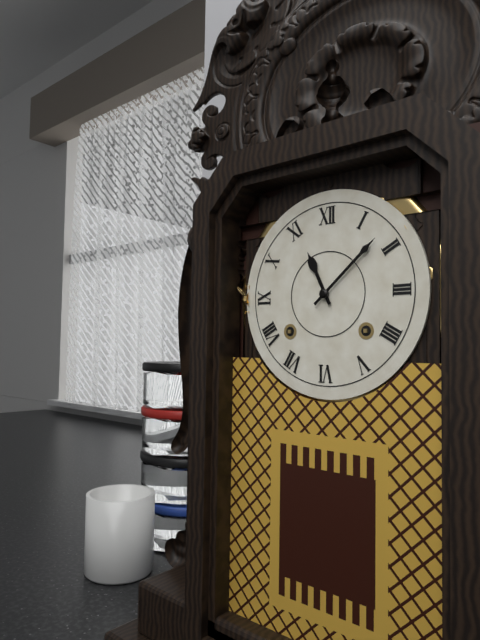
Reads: 11.08
